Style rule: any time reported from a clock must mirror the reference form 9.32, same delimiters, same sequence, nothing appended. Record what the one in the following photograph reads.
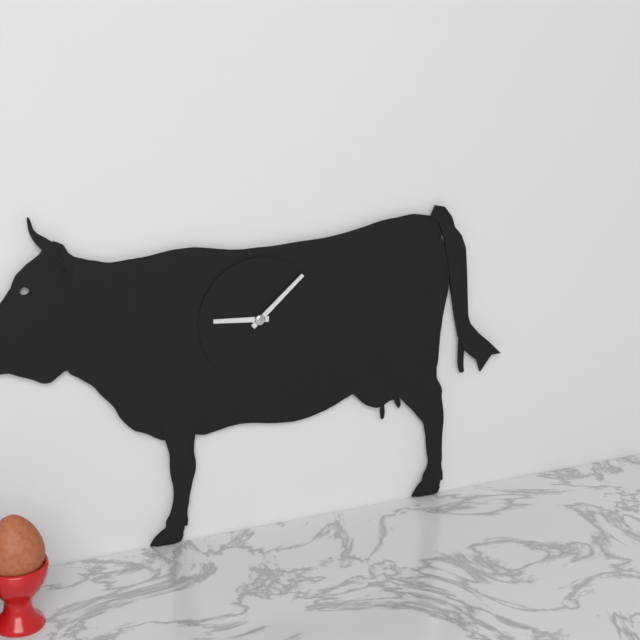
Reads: 9.08
